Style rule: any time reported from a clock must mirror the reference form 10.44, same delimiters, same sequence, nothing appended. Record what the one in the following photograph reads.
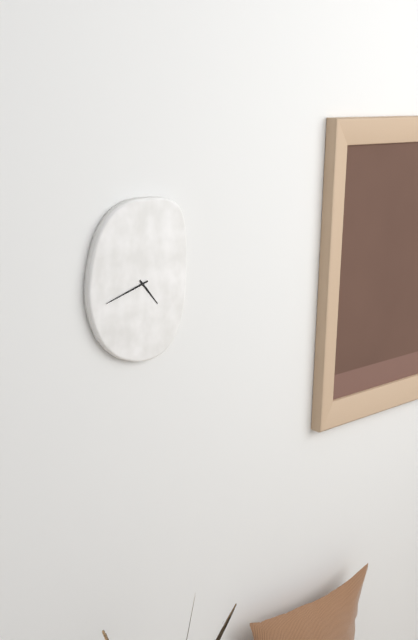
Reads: 4.42
